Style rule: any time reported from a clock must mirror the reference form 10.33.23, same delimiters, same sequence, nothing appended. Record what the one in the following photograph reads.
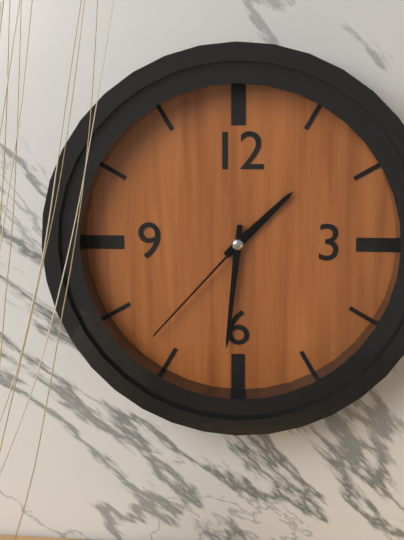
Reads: 1.31.37
